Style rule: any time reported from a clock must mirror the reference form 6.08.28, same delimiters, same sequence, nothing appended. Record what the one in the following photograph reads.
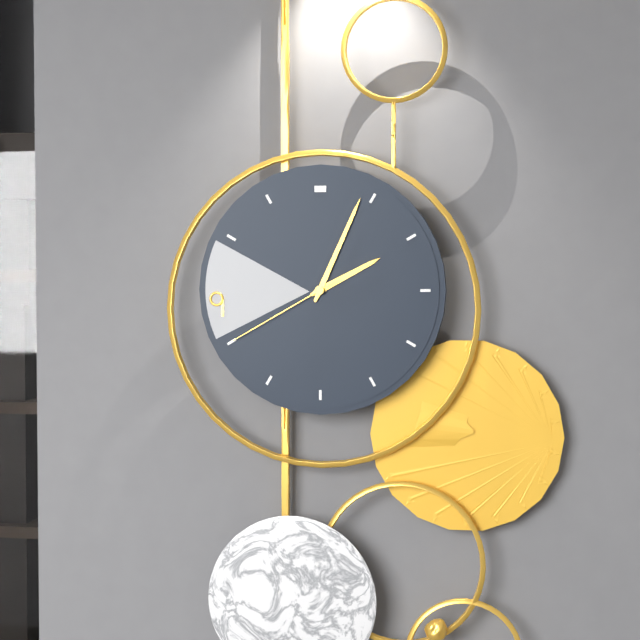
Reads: 2.04.40
